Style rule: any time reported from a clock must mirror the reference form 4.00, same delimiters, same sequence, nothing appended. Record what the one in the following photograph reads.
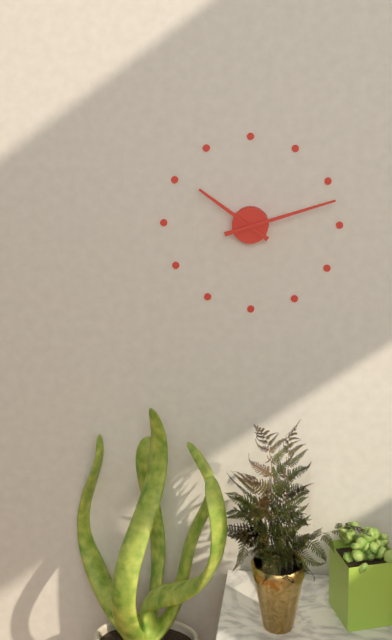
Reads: 10.12
